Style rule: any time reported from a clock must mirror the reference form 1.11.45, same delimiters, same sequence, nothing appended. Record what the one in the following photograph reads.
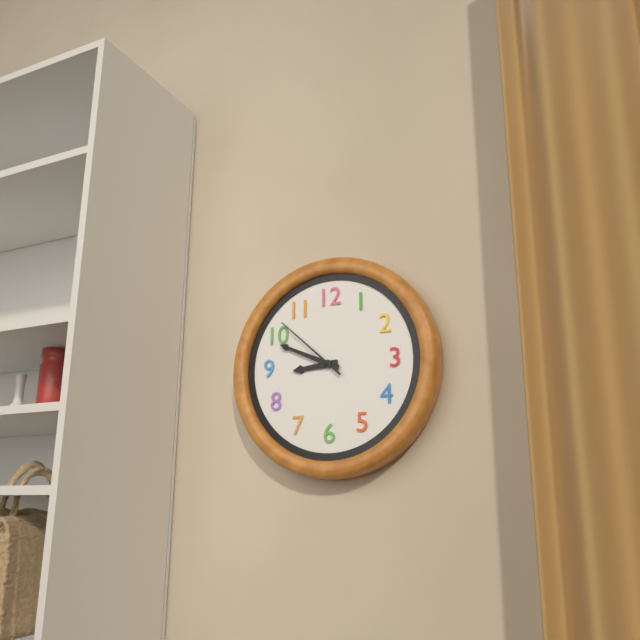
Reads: 8.49.52
